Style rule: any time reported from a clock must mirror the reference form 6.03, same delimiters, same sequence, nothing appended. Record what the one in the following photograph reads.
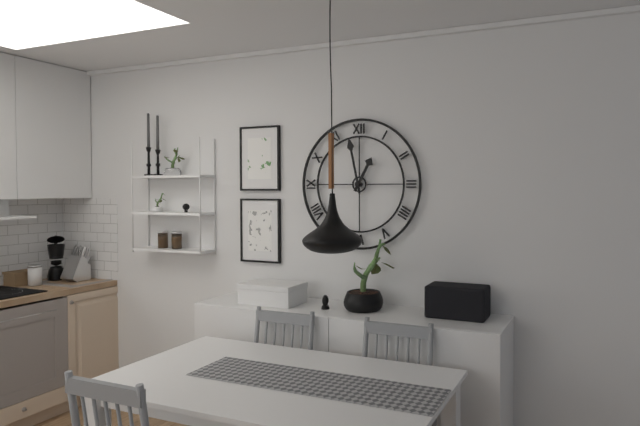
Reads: 12.58
